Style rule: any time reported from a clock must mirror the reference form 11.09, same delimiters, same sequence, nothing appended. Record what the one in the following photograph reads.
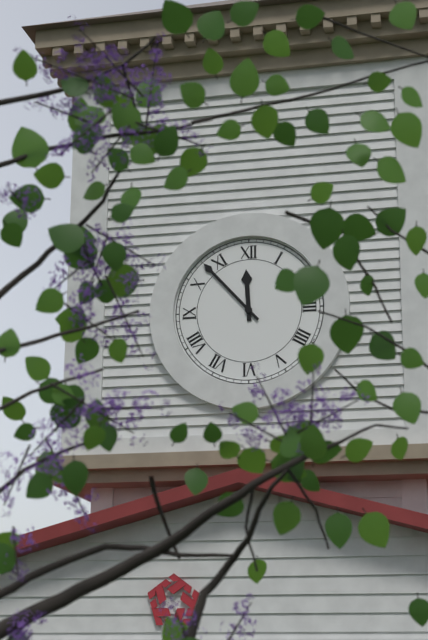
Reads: 11.53
